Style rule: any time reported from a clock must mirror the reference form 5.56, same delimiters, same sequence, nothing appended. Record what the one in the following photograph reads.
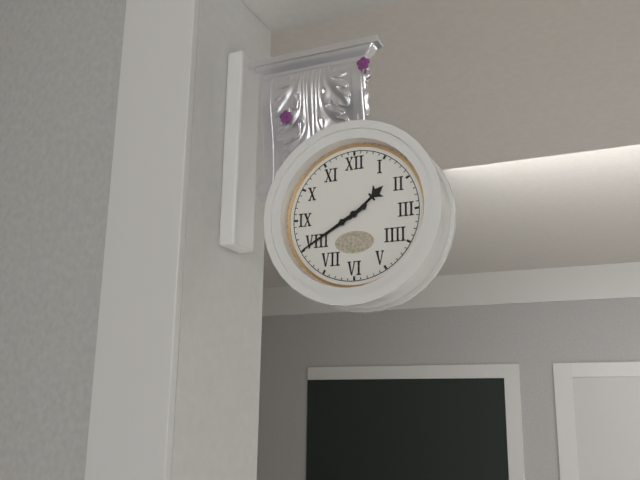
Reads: 1.40
